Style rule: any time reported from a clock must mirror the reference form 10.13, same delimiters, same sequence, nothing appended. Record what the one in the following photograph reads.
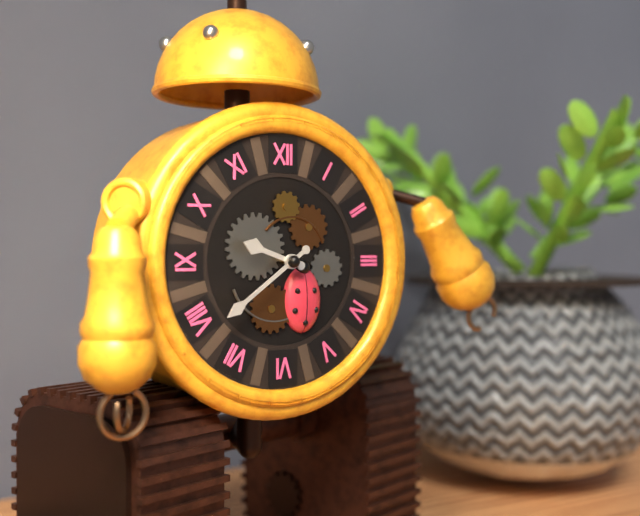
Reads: 9.39
